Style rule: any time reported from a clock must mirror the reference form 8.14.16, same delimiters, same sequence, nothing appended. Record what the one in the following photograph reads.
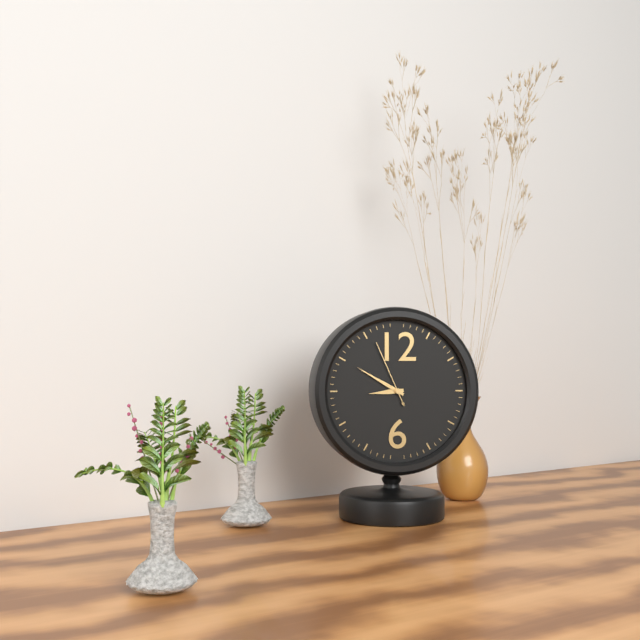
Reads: 8.50.56
